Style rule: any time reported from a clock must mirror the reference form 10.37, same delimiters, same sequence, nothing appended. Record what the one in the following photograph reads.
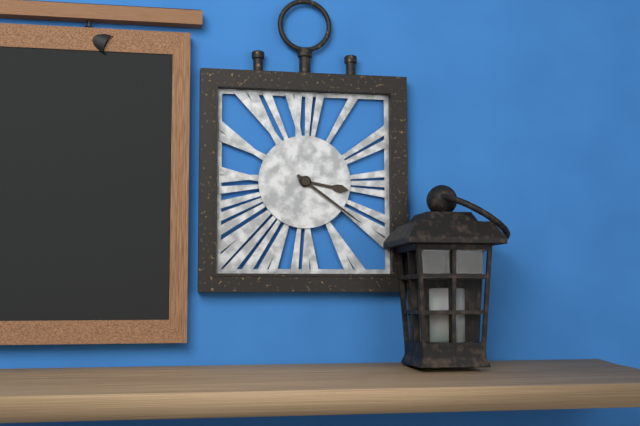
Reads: 3.21
